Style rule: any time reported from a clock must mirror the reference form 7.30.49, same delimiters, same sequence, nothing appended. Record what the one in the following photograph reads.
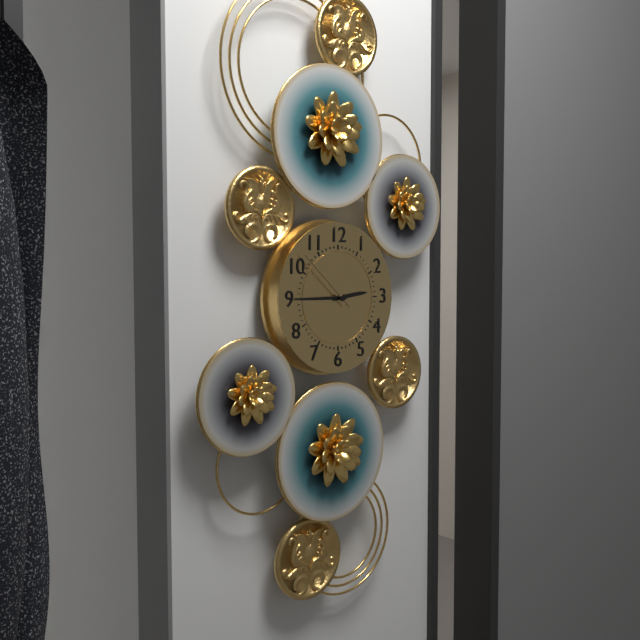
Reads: 2.45.52
